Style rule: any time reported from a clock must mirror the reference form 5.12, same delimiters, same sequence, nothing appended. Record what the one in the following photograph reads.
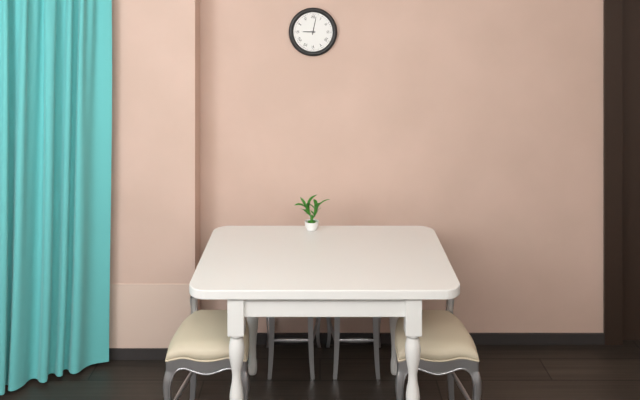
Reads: 9.02
